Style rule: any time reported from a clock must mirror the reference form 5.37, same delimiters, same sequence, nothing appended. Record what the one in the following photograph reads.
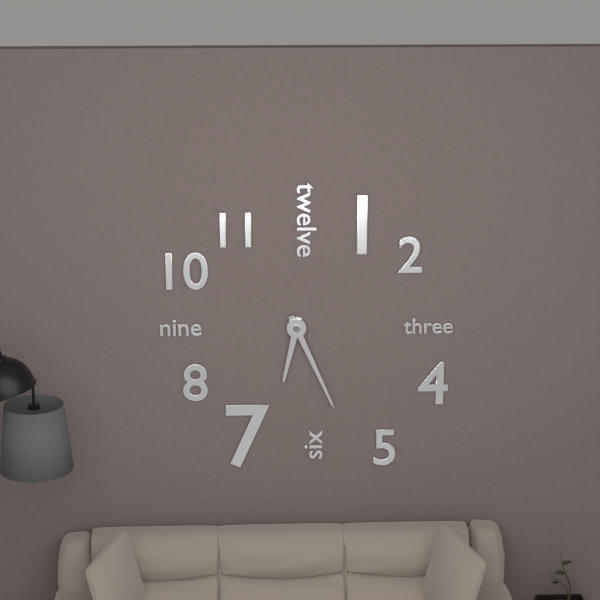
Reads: 6.26
